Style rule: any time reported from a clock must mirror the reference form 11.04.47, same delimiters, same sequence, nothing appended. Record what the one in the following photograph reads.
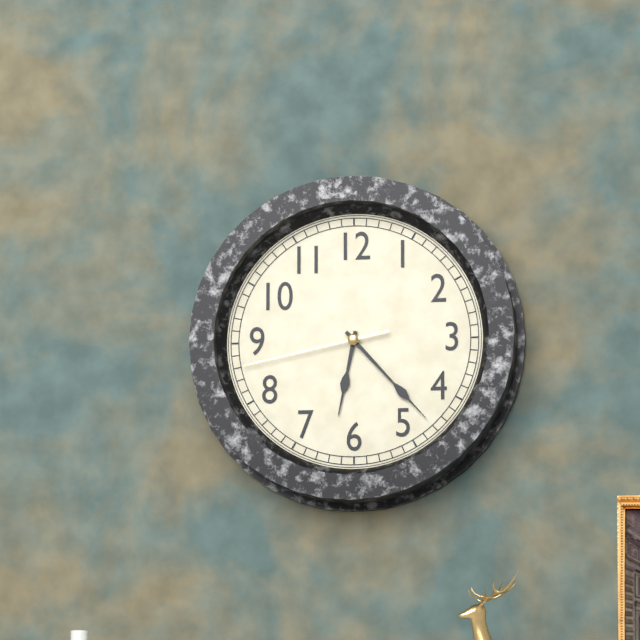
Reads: 6.23.43
